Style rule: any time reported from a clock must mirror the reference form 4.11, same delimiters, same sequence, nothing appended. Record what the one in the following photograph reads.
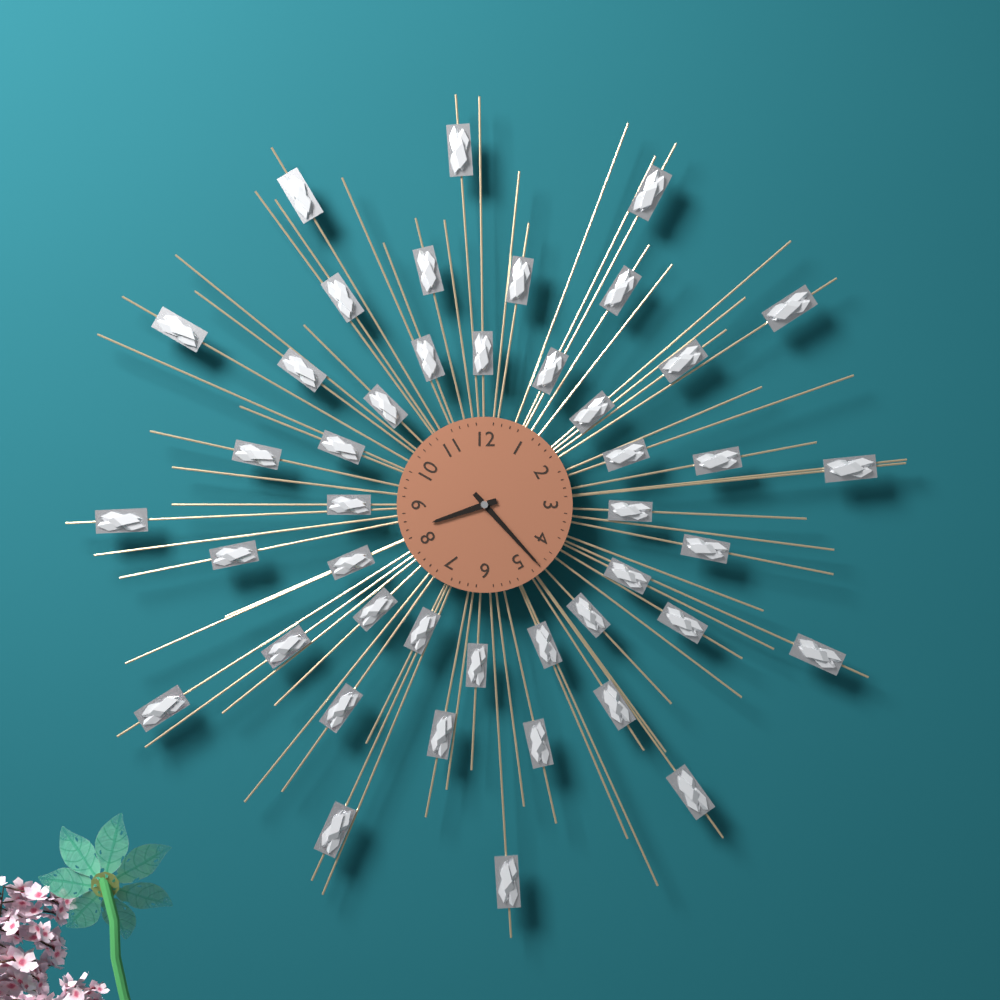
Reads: 8.23
